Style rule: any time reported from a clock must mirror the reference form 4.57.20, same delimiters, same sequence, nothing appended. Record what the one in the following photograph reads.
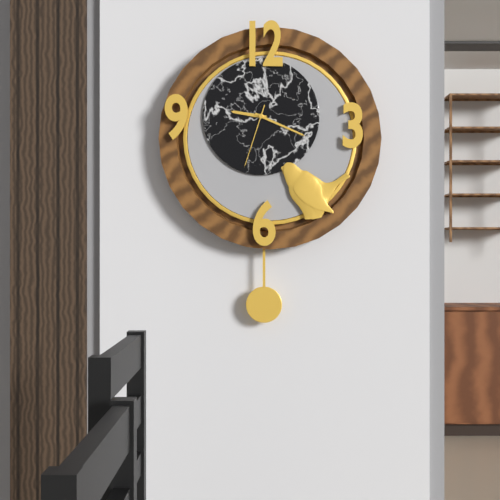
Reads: 9.19.33
